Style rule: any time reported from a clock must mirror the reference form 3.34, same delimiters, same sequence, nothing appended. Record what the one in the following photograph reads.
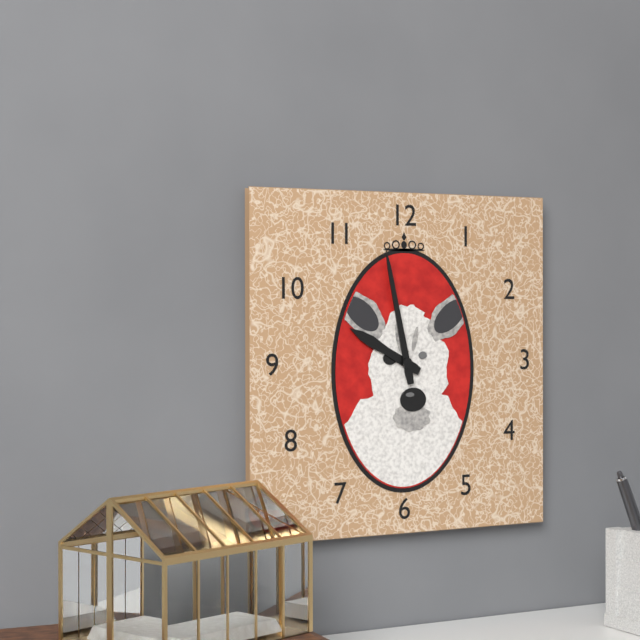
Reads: 9.58
